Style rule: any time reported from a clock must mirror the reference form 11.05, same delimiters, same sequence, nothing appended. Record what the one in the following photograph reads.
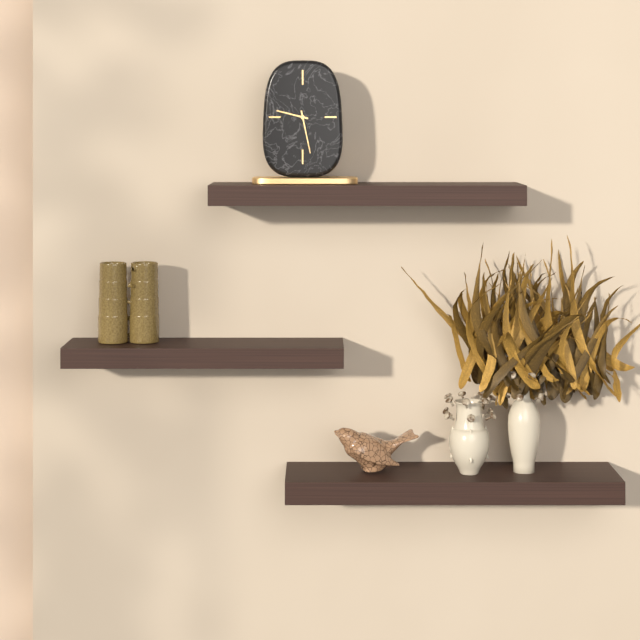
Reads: 9.28
